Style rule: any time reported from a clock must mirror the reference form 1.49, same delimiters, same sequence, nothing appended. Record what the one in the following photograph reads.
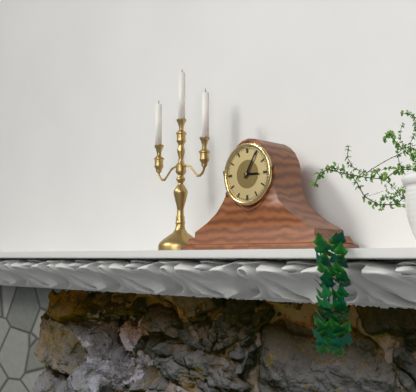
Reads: 3.05
